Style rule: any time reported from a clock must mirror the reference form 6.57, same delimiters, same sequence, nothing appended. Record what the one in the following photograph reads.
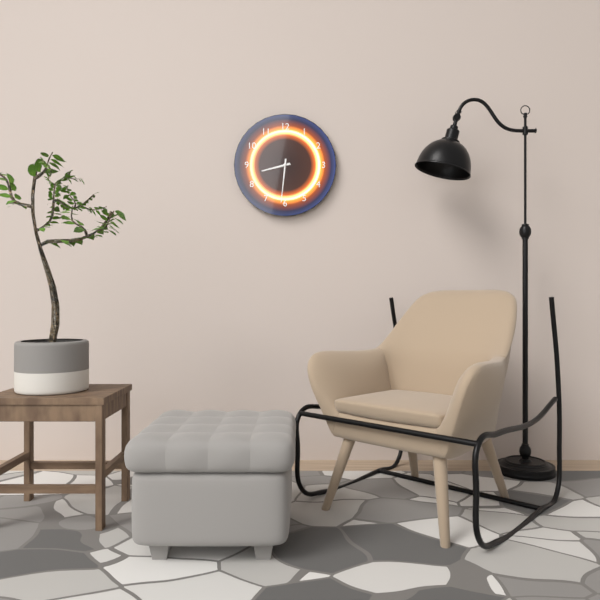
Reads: 8.31
